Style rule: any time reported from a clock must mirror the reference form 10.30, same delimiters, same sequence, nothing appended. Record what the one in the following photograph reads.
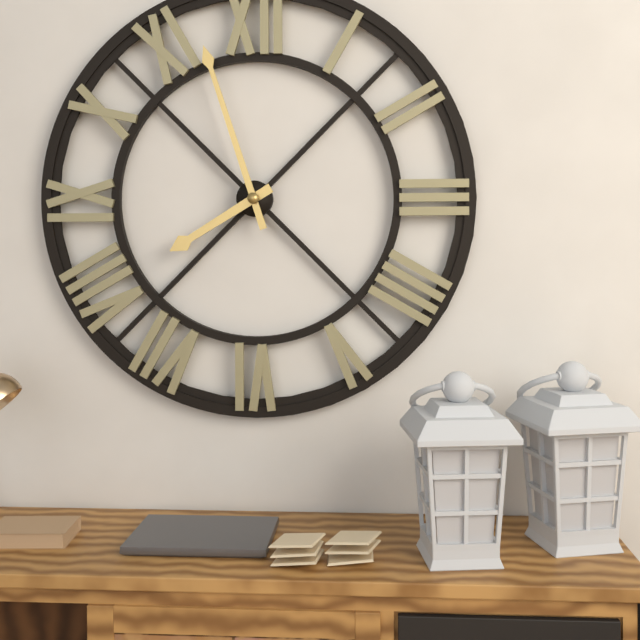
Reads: 7.57
